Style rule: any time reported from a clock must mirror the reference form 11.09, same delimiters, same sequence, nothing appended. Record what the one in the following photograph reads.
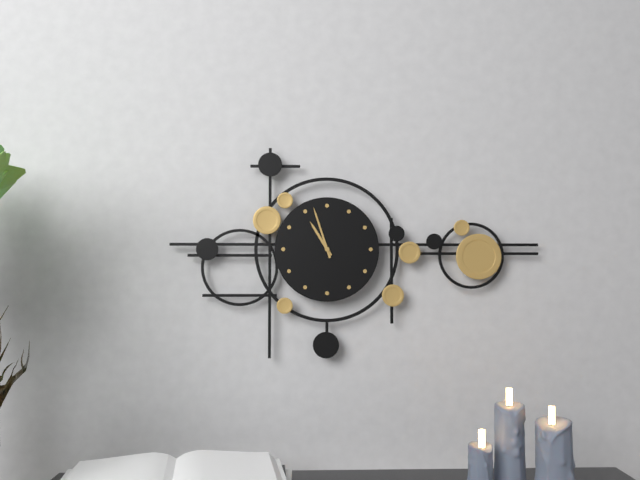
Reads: 10.57
